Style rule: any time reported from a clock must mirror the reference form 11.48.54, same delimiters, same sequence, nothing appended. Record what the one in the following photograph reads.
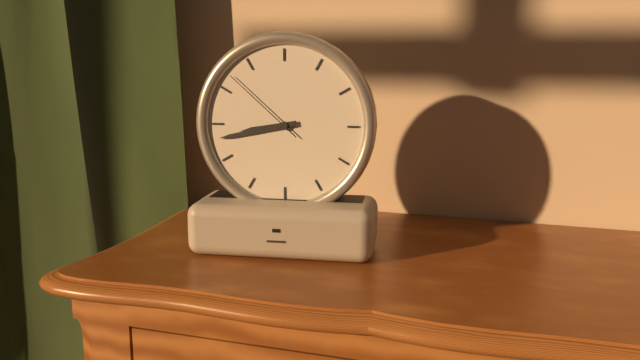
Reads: 8.43.52
